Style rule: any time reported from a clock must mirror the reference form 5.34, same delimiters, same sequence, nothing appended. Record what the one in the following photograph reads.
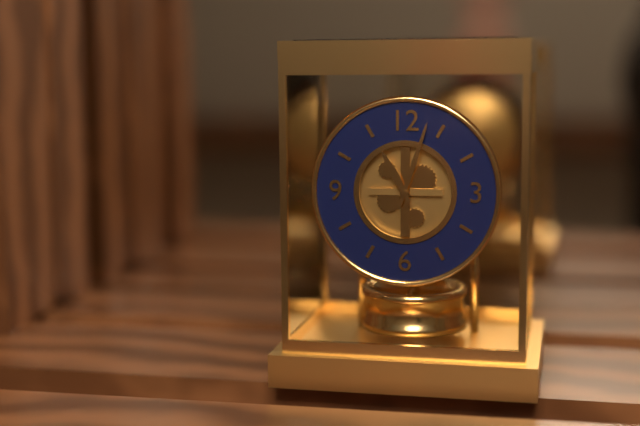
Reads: 11.03
